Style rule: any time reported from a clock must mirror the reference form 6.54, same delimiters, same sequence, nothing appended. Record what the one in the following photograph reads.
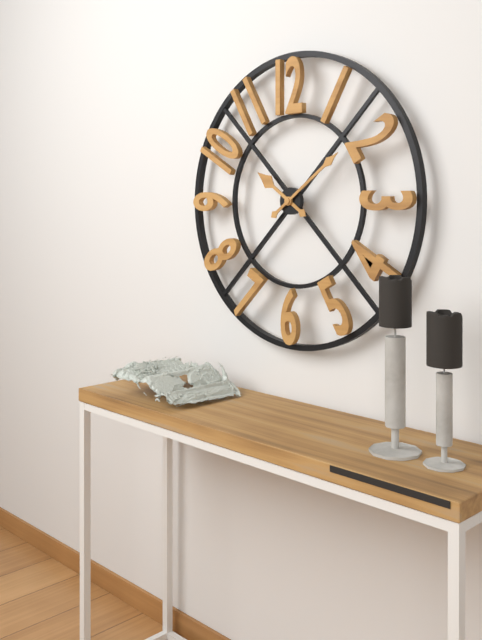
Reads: 10.09
